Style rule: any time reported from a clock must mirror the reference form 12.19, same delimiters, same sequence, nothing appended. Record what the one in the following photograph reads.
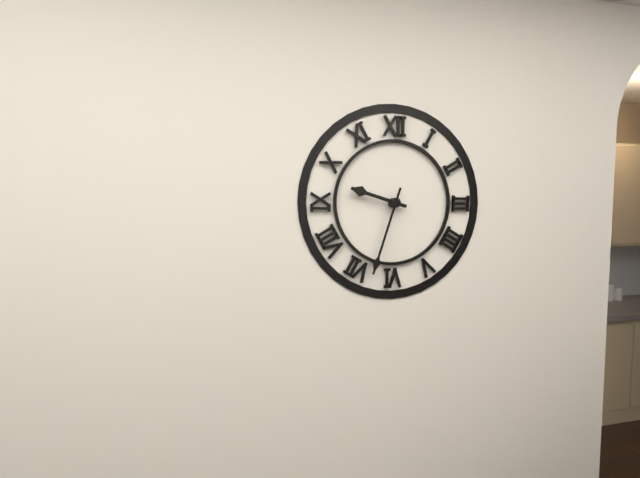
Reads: 9.33
